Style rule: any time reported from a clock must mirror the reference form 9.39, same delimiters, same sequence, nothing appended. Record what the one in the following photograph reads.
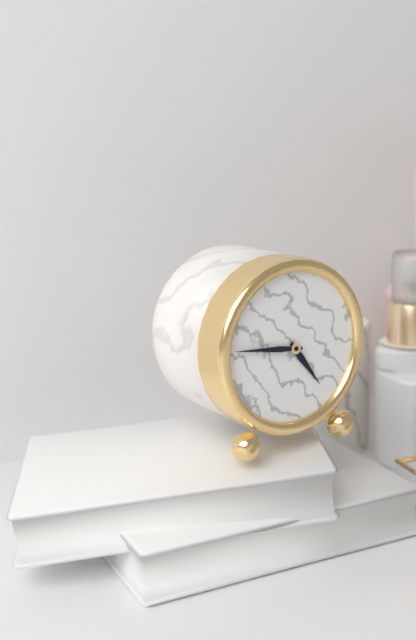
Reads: 4.46
